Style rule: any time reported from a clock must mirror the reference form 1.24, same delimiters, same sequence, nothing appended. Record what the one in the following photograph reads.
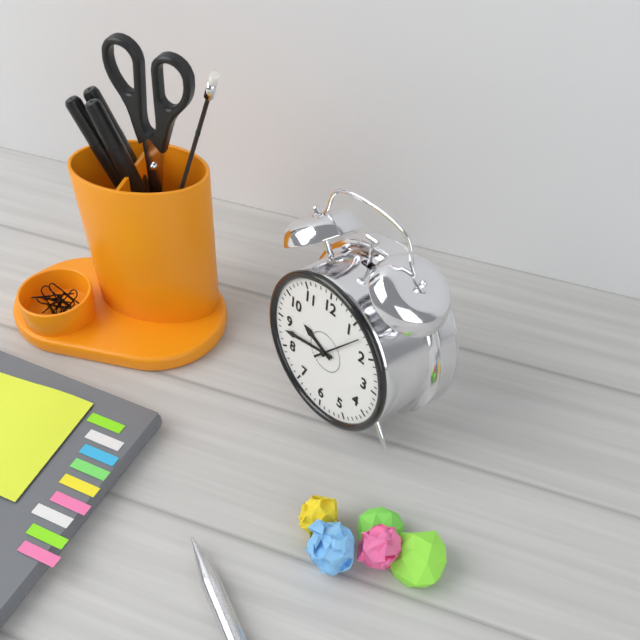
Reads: 9.43
